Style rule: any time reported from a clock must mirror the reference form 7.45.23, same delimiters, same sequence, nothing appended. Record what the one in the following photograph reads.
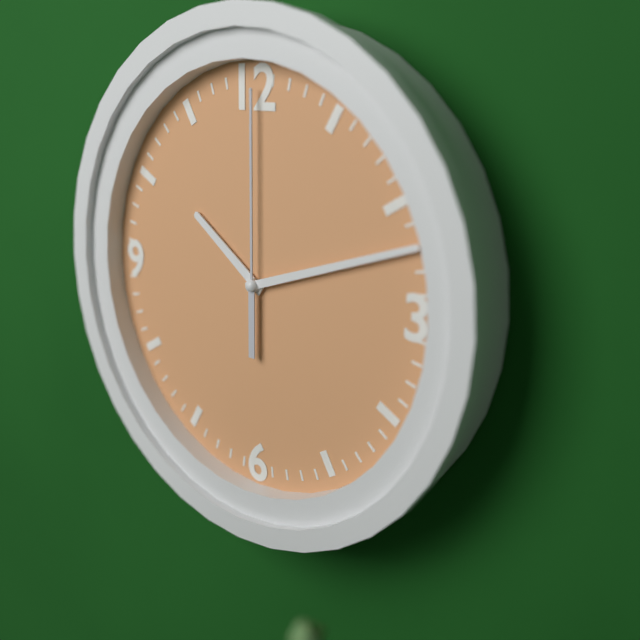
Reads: 10.12.00
